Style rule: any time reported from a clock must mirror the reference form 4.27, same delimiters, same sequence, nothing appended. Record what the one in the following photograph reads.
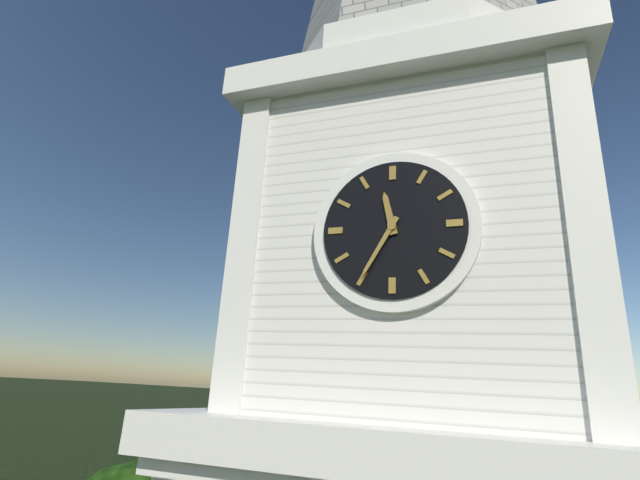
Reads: 11.35
